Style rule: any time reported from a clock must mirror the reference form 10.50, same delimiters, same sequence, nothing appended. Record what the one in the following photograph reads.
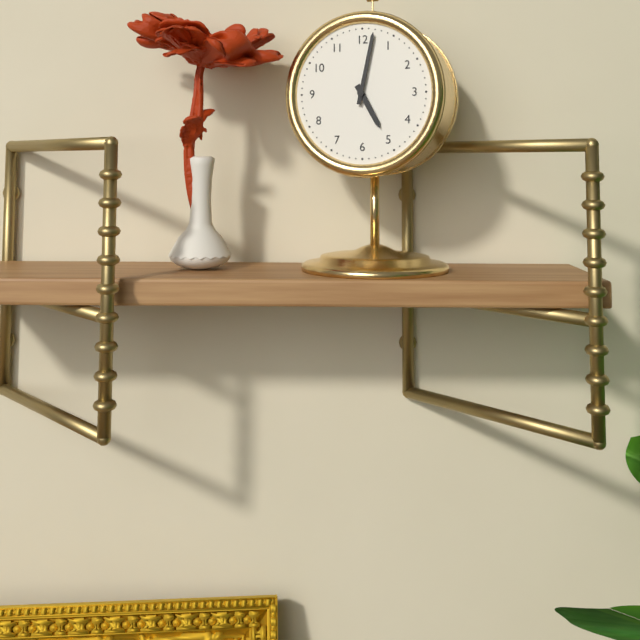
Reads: 5.02
